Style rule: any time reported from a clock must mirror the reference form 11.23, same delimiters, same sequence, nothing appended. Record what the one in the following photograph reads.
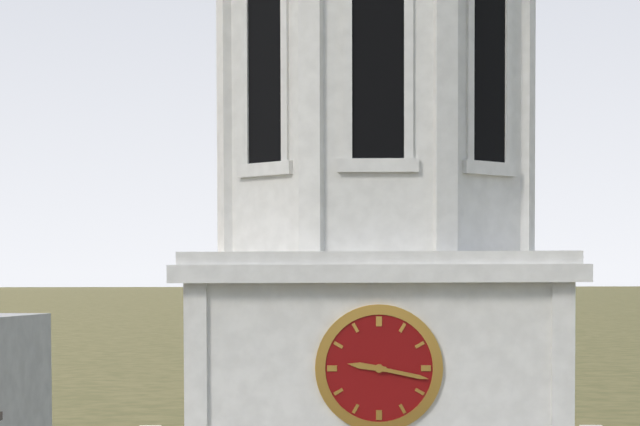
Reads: 9.17
